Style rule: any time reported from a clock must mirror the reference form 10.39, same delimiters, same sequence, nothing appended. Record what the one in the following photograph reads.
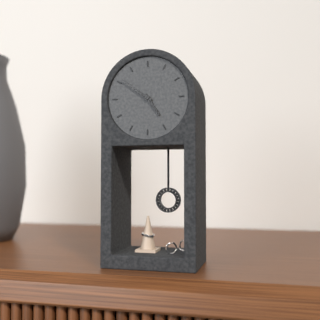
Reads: 4.51
